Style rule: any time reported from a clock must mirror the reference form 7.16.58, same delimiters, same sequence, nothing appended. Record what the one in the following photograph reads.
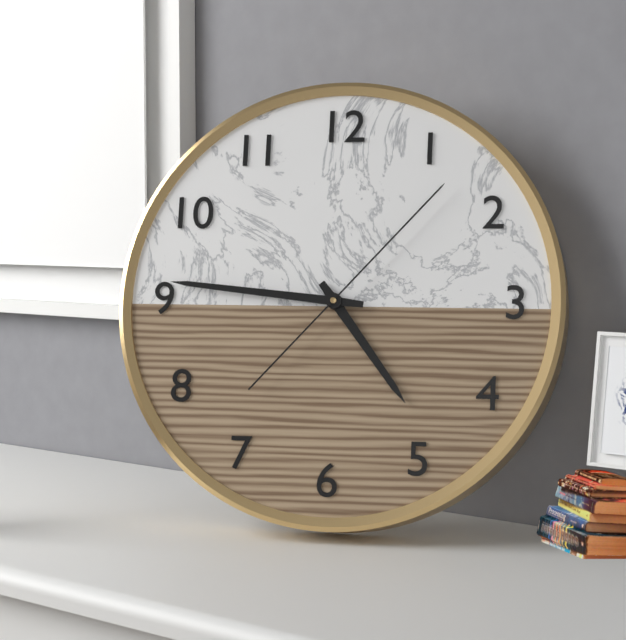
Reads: 4.46.07
